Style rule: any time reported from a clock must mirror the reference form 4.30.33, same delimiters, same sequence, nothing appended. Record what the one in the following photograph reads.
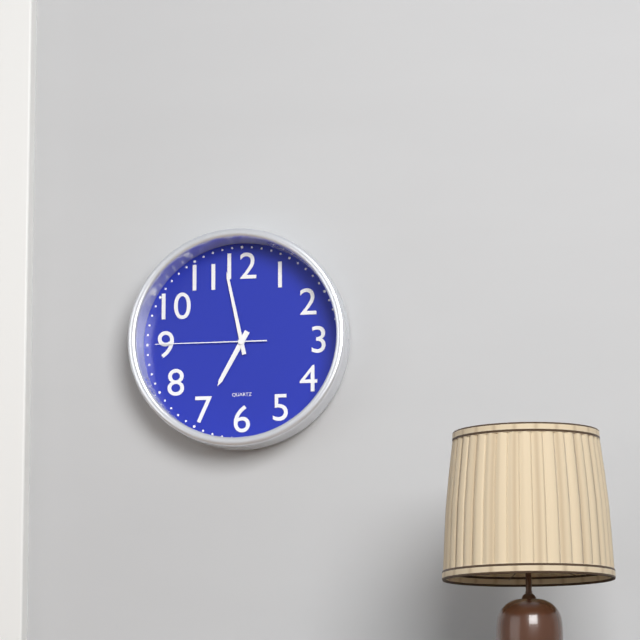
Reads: 6.58.45
